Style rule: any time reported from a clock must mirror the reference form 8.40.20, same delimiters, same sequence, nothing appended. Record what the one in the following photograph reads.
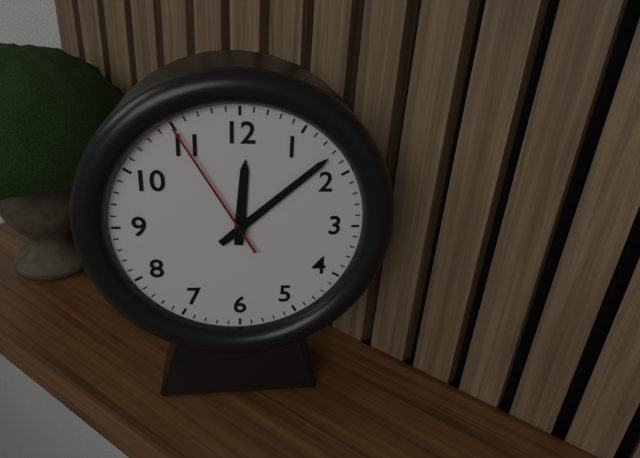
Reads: 12.08.55
